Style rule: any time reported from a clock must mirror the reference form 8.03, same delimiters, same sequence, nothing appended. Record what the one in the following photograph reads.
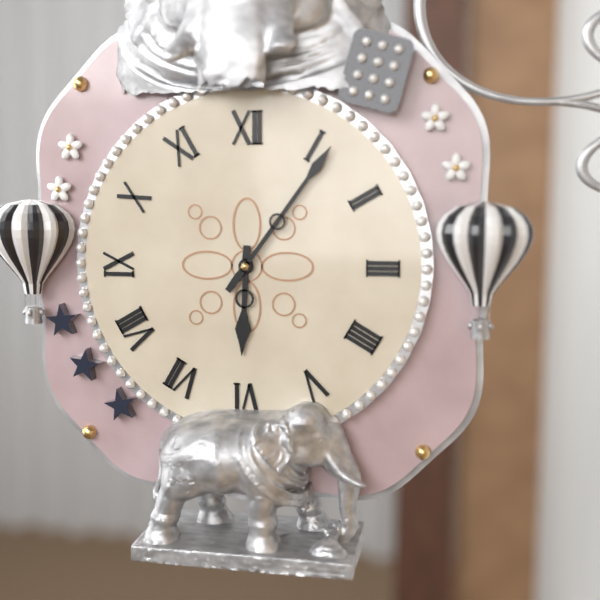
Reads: 6.06
